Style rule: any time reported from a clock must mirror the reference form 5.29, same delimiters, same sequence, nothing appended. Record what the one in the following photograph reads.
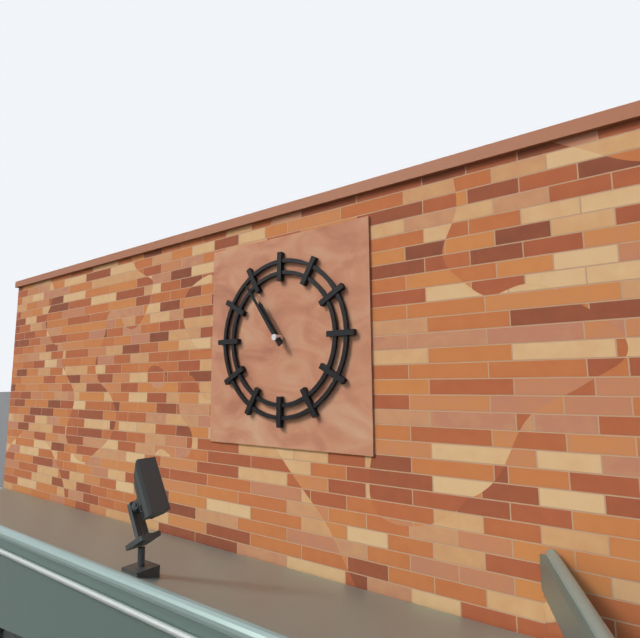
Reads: 10.54
